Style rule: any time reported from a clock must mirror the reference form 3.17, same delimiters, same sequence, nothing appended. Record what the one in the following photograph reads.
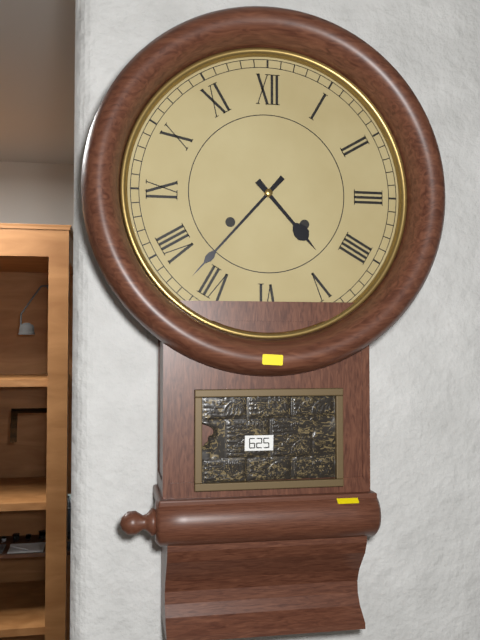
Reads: 4.37
